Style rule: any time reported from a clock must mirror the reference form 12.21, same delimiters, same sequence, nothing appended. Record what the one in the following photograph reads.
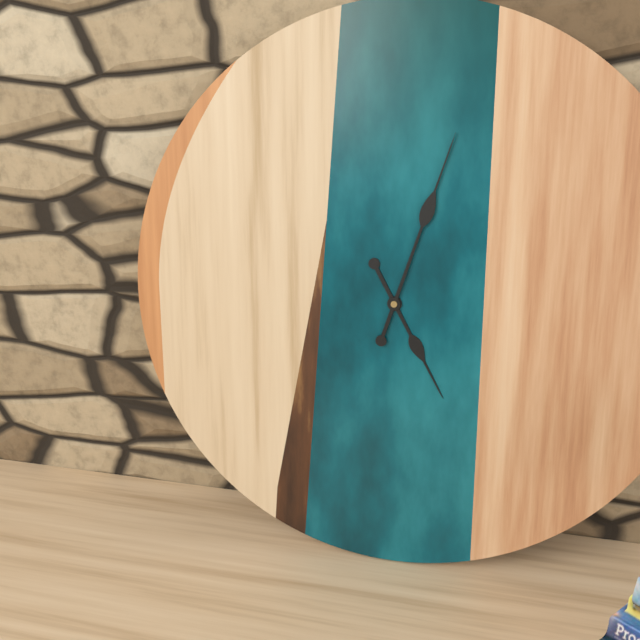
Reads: 5.03
